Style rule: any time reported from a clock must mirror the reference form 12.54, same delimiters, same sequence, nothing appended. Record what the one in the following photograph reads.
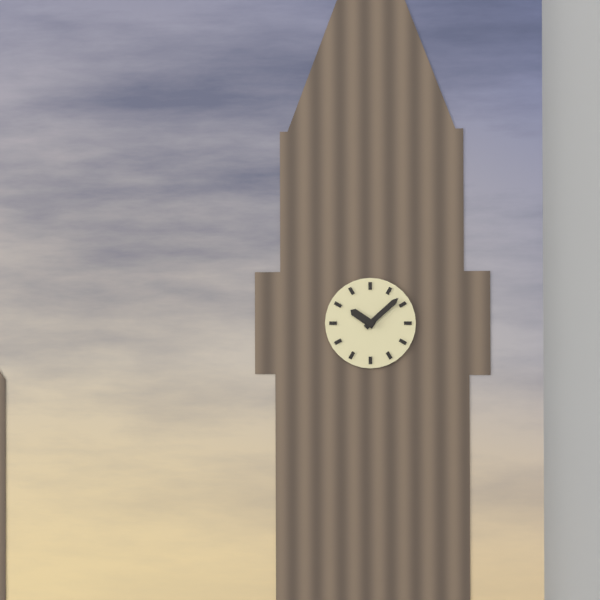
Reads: 10.08
